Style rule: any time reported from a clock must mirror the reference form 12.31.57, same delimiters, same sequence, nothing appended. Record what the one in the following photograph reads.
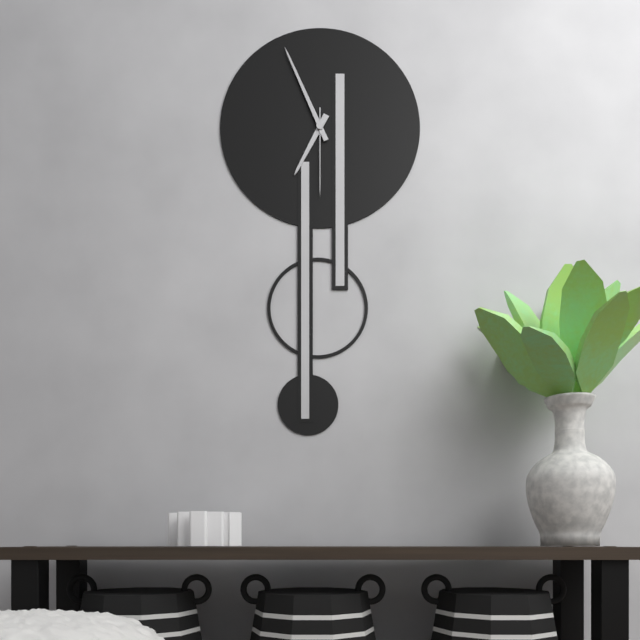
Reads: 6.56.30
